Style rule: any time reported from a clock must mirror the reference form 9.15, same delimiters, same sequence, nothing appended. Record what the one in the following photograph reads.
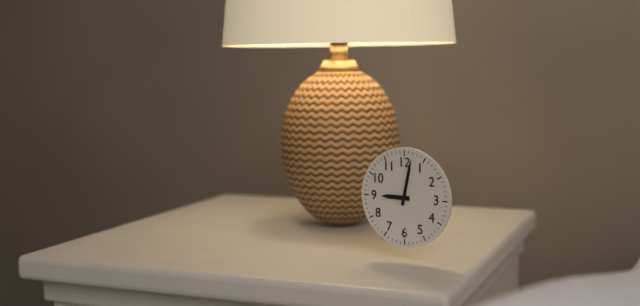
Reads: 9.02
